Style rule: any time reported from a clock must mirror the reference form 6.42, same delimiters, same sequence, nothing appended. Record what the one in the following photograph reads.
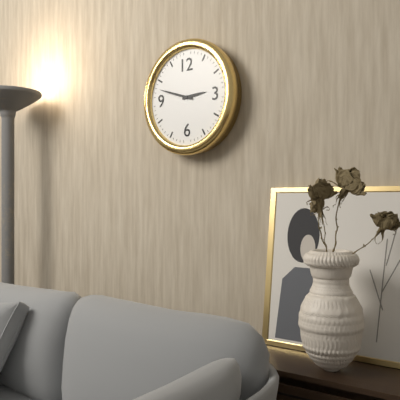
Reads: 2.48
